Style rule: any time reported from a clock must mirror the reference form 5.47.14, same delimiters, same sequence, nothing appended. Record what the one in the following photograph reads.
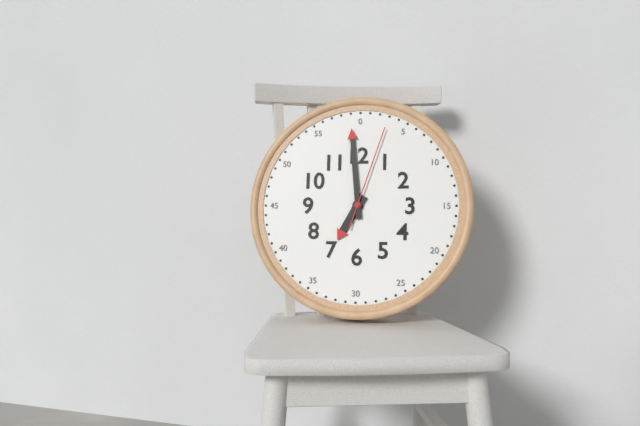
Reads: 6.59.03
